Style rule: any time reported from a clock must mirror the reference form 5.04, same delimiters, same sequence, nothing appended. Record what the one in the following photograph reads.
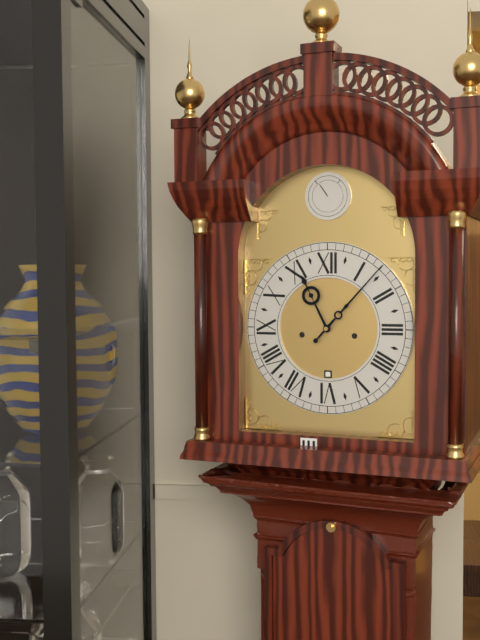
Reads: 11.07
